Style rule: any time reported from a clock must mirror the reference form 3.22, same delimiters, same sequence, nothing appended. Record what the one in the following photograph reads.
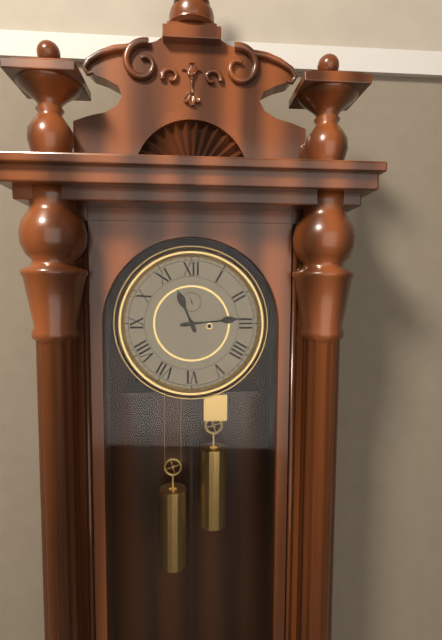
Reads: 11.14
